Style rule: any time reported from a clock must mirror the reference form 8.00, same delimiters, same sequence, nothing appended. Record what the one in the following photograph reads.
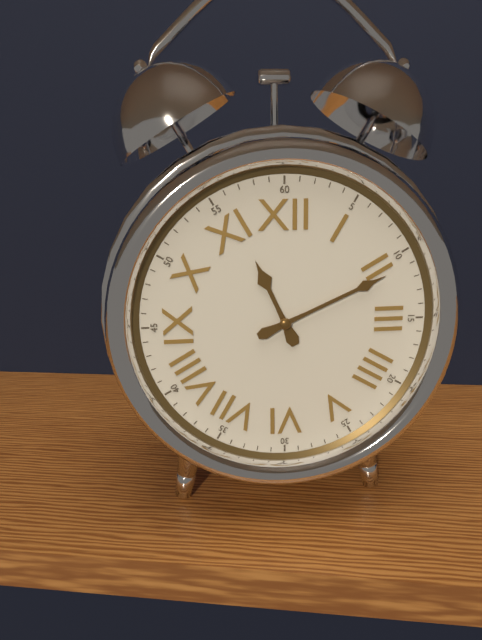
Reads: 11.11
